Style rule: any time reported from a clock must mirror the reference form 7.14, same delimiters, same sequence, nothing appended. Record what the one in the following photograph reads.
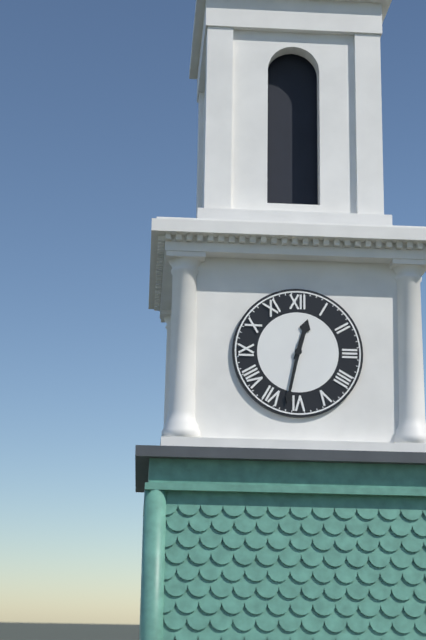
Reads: 12.32
